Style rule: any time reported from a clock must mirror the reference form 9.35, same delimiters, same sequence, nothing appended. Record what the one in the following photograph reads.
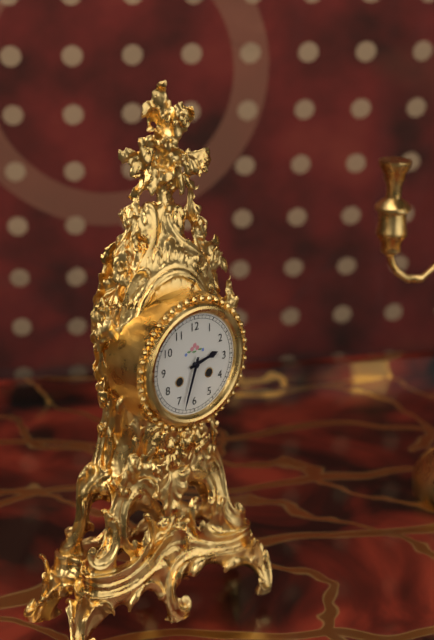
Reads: 2.33
